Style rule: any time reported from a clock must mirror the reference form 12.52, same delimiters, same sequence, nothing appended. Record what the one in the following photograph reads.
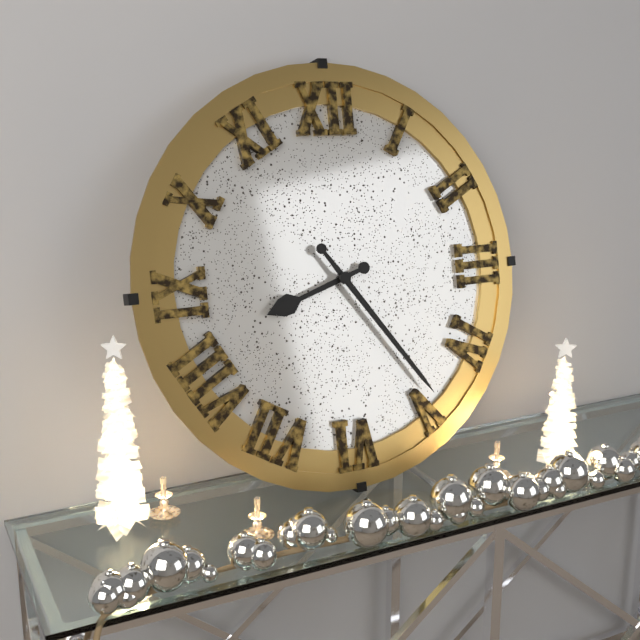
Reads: 8.24
